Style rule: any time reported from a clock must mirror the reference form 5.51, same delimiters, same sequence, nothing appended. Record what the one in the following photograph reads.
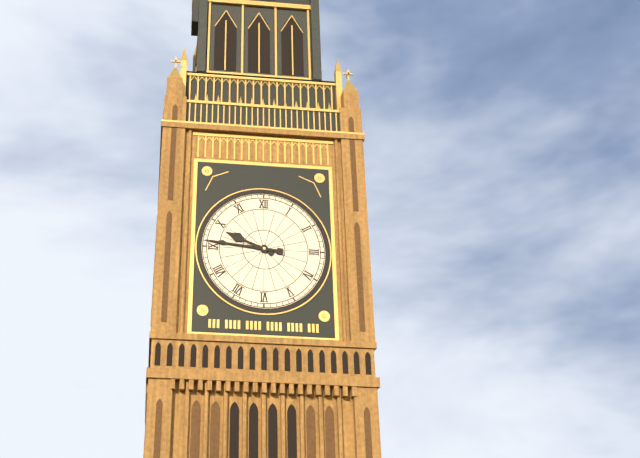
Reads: 9.46
